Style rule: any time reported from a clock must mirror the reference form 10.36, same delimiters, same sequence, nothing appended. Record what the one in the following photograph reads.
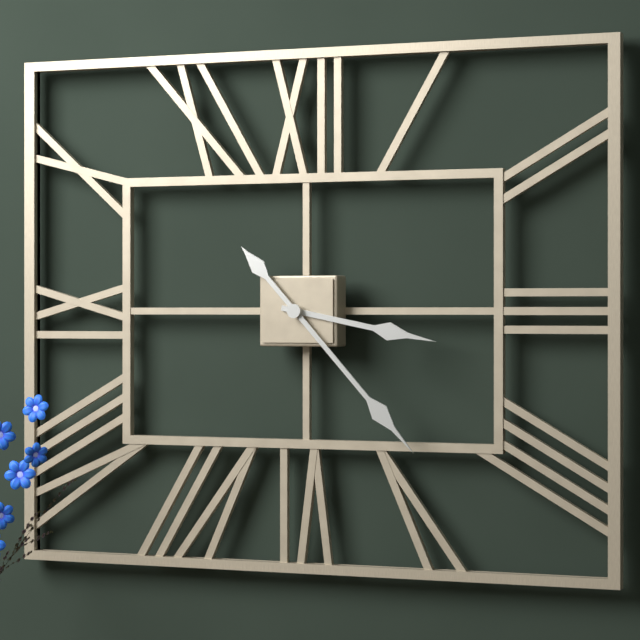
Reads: 3.23
